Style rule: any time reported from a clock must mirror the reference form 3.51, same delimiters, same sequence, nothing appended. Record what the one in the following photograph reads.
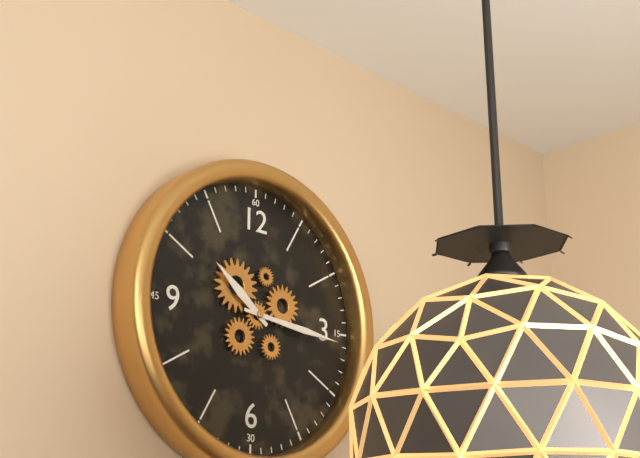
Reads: 10.16
